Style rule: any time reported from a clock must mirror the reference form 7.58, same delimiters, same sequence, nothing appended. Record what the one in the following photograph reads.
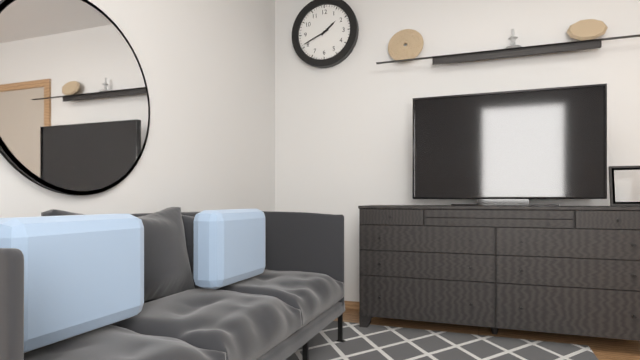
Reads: 1.41
